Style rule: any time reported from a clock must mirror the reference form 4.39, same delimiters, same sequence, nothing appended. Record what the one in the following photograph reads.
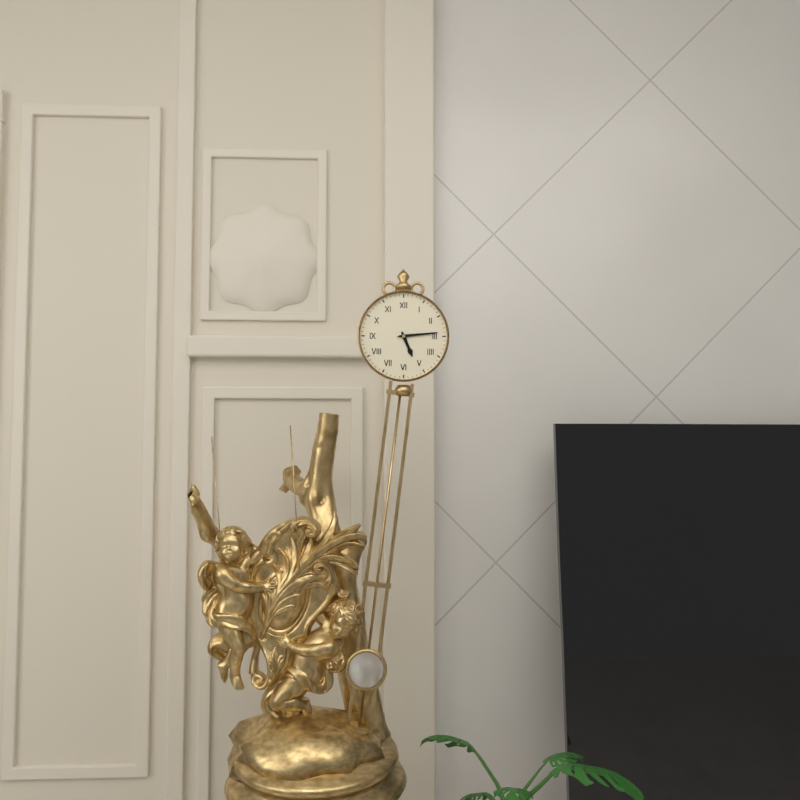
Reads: 5.14
